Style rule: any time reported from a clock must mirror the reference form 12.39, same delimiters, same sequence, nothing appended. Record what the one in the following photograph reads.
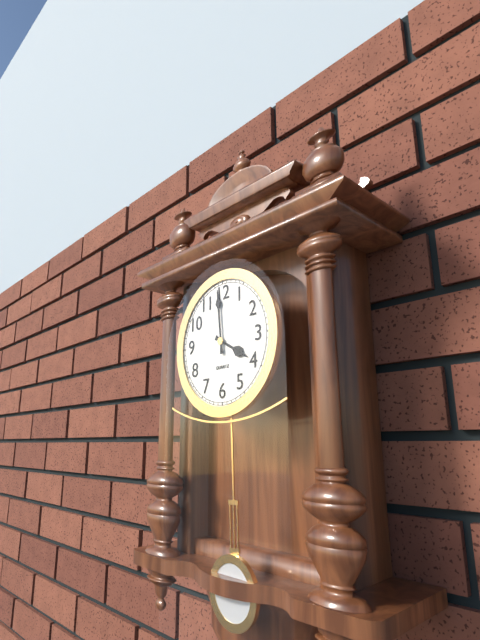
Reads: 3.59
